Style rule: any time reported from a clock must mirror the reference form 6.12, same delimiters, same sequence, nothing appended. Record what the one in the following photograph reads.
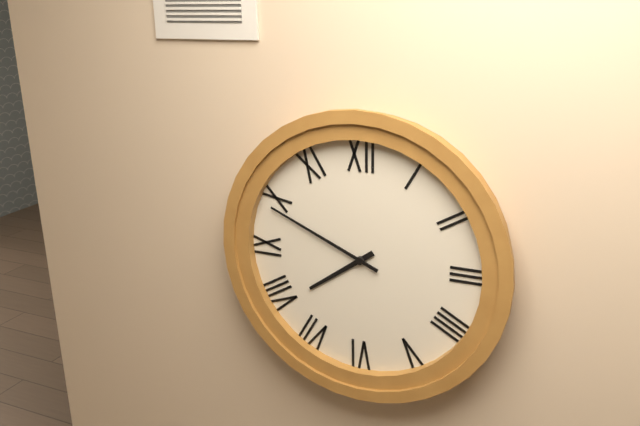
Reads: 7.49
